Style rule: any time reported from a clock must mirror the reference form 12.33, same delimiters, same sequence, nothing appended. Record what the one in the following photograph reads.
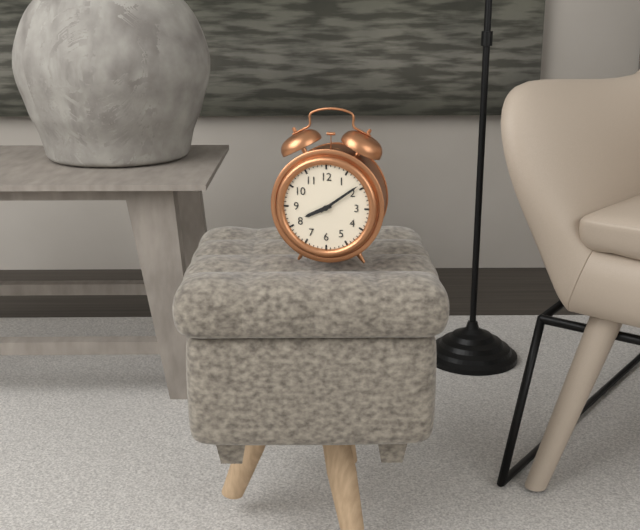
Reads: 8.09
